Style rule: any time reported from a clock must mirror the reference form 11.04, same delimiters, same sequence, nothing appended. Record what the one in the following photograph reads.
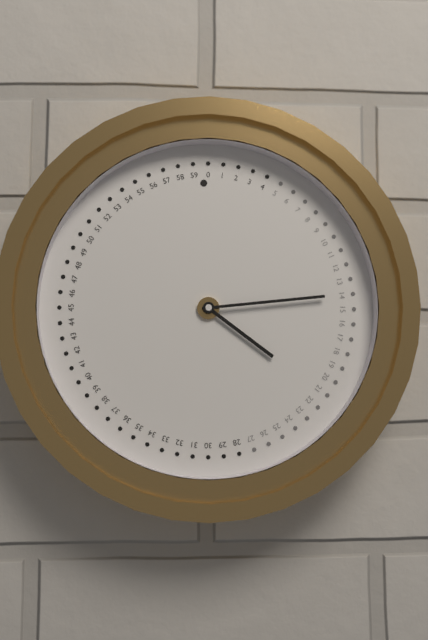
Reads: 4.14
